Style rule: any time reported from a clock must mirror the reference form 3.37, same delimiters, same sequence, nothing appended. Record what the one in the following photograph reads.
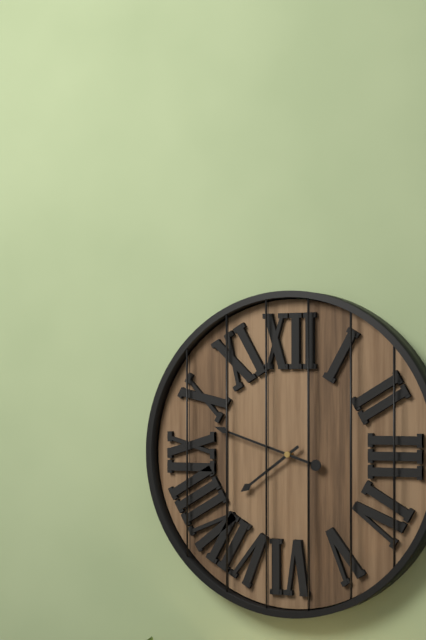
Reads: 7.48
